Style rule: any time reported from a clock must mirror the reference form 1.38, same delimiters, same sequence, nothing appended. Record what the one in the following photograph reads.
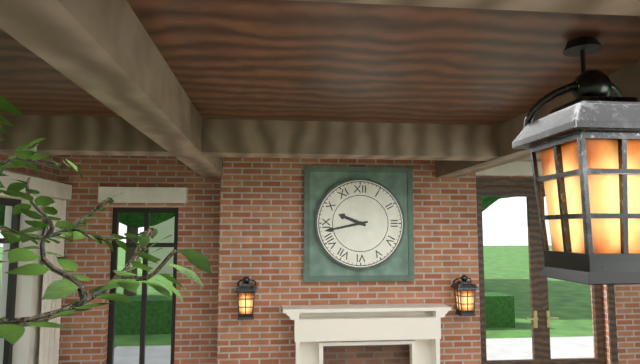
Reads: 9.43
